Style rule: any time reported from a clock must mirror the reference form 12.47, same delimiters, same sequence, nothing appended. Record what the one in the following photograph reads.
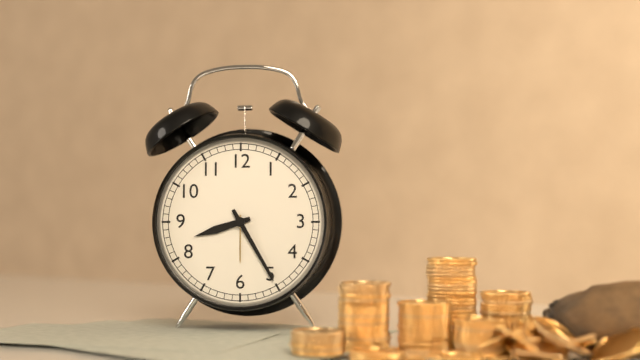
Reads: 8.25
